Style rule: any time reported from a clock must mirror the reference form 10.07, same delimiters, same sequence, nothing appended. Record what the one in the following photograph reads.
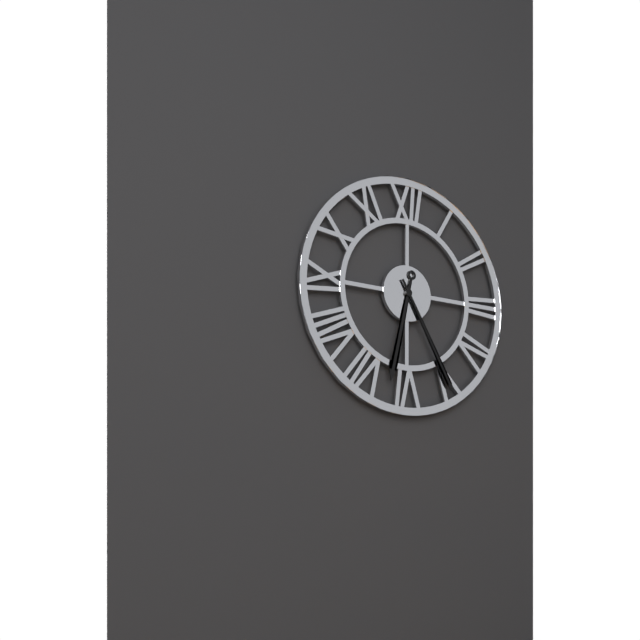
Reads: 6.25
